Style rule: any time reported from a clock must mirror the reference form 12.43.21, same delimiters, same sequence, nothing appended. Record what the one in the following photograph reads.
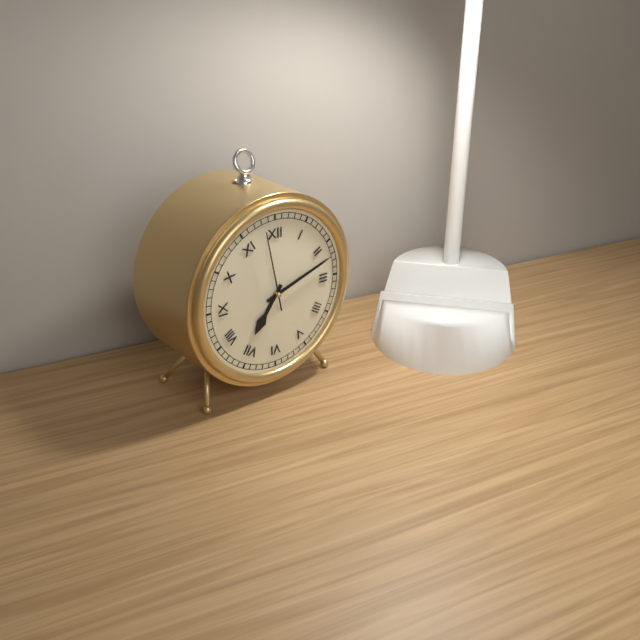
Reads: 7.12.58
